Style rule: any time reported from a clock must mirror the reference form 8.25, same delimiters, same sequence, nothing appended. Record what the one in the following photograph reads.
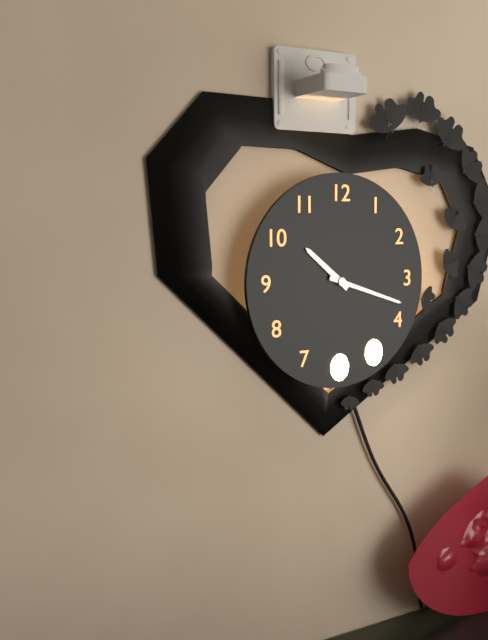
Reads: 10.18
